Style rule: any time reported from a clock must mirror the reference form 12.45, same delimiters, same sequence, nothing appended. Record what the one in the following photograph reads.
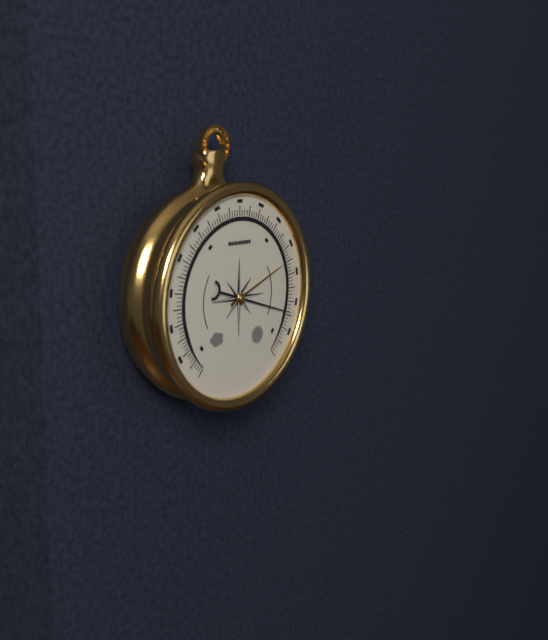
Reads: 2.18
